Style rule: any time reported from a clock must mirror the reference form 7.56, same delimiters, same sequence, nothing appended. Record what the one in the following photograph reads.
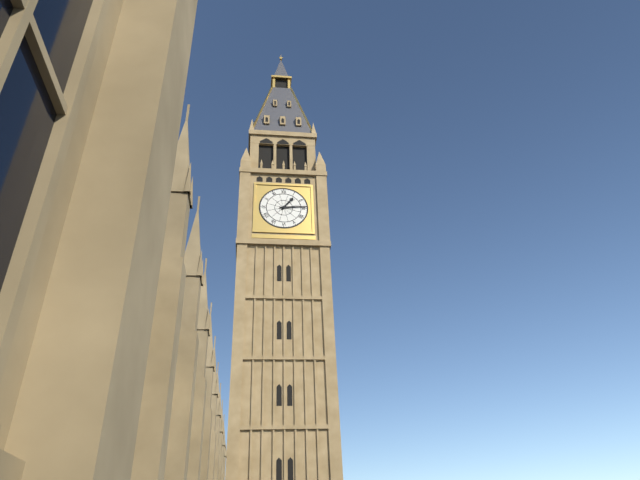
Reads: 1.14
